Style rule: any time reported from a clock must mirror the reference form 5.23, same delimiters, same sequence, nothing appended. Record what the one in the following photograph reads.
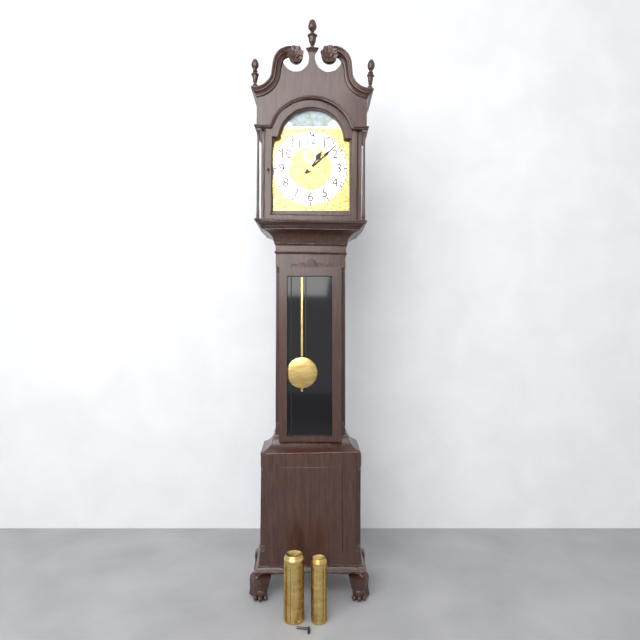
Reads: 1.08
